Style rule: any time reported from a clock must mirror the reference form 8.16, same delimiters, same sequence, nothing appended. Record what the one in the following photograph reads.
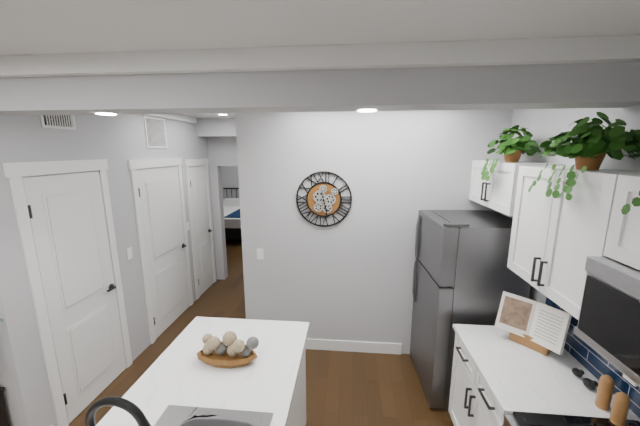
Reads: 5.28
